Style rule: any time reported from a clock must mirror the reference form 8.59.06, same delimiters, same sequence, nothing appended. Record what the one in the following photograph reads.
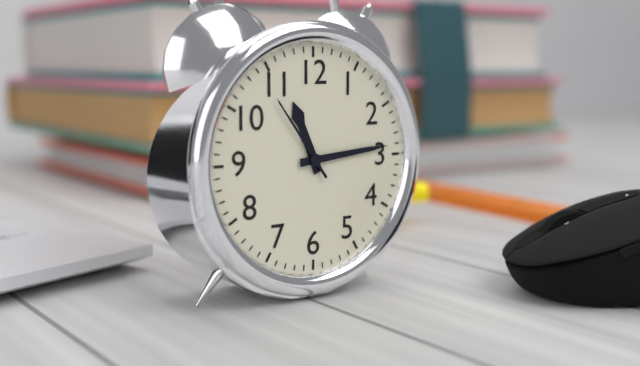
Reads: 11.14.54
